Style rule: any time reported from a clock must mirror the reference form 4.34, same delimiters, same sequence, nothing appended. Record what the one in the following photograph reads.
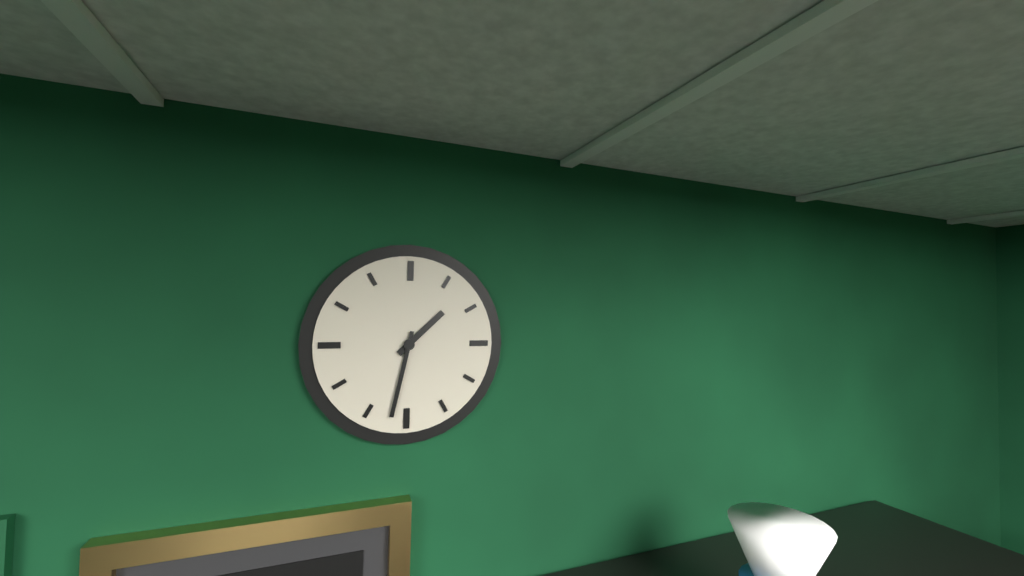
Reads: 1.32
